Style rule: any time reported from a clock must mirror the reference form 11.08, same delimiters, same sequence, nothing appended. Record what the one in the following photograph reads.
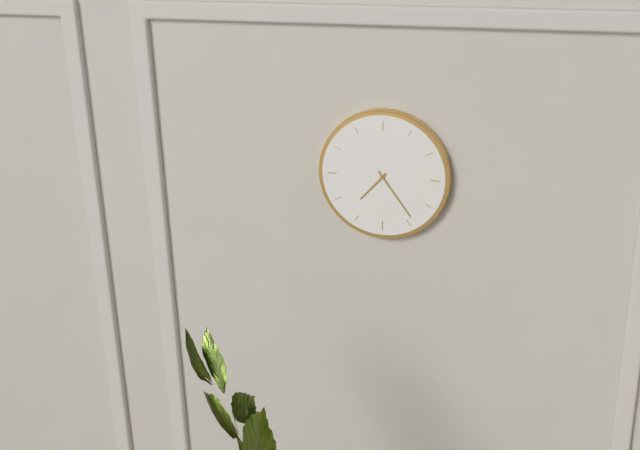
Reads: 7.24
